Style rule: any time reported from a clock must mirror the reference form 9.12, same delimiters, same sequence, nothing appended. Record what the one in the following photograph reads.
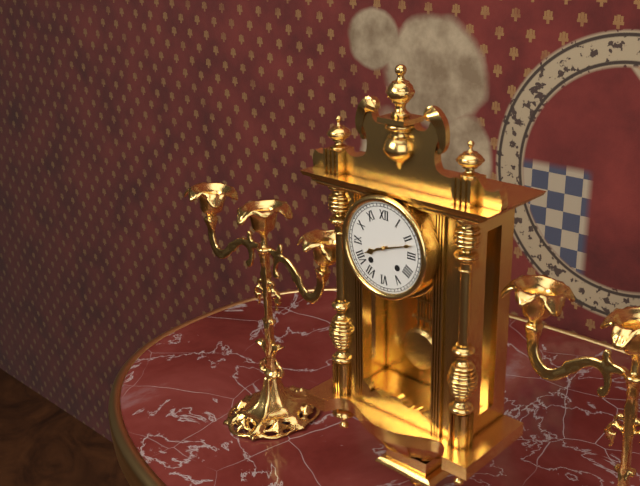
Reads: 8.12
